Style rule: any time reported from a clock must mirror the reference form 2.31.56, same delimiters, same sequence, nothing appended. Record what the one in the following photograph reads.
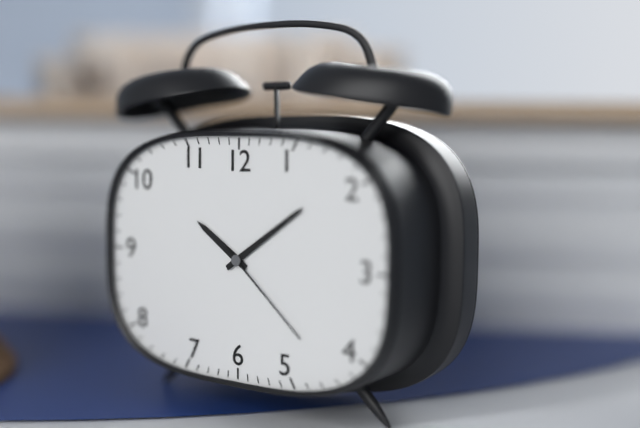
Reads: 10.09.22
